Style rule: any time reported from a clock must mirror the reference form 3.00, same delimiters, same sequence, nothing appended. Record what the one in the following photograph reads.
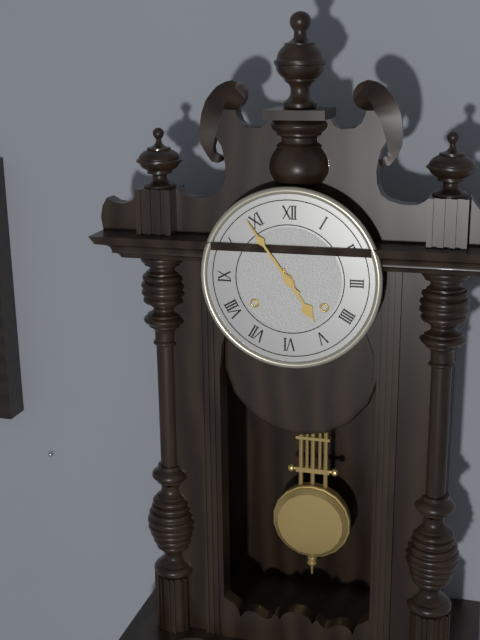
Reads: 4.54
